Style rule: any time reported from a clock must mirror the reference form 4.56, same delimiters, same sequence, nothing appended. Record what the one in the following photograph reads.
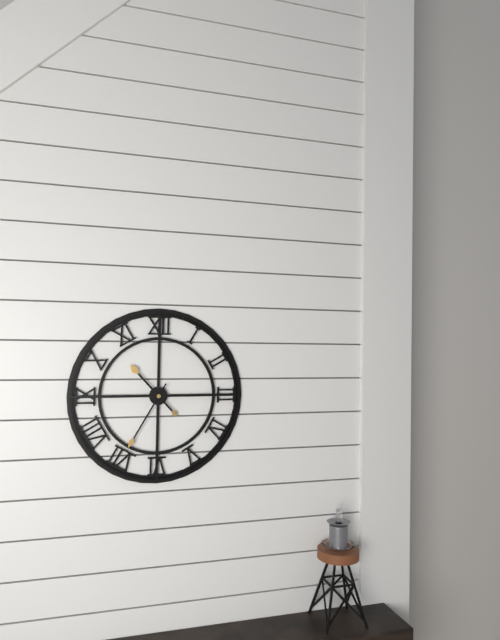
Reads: 10.35
